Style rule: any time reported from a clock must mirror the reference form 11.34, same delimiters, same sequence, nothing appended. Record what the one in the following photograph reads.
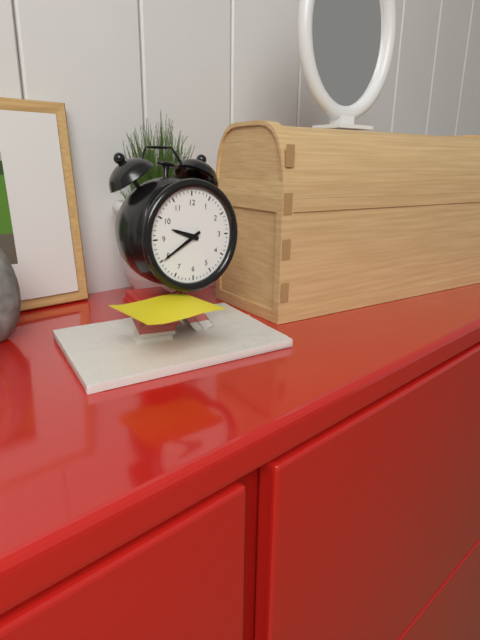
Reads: 9.40
